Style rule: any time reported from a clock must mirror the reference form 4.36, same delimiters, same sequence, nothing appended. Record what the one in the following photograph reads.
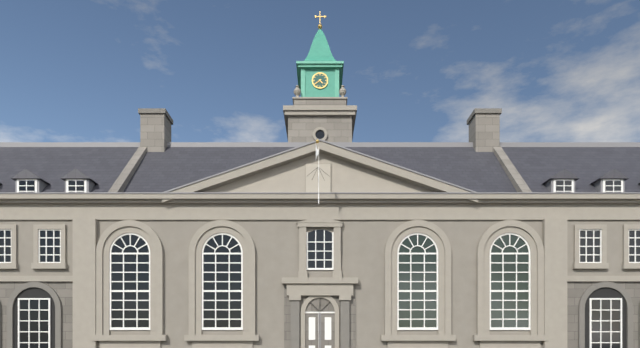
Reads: 4.39
